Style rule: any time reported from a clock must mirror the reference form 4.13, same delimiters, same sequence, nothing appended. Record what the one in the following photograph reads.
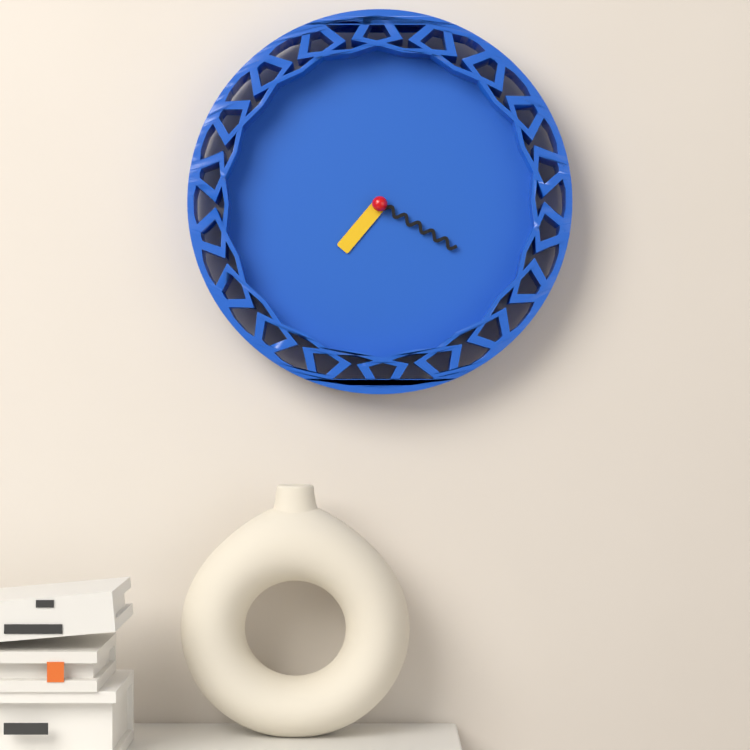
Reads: 7.20
